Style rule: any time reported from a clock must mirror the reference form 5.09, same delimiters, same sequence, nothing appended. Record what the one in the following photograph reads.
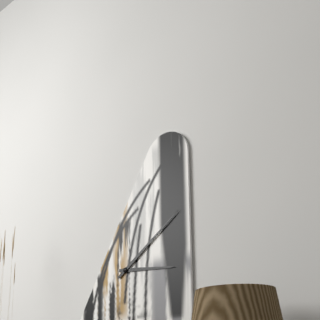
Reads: 3.09
